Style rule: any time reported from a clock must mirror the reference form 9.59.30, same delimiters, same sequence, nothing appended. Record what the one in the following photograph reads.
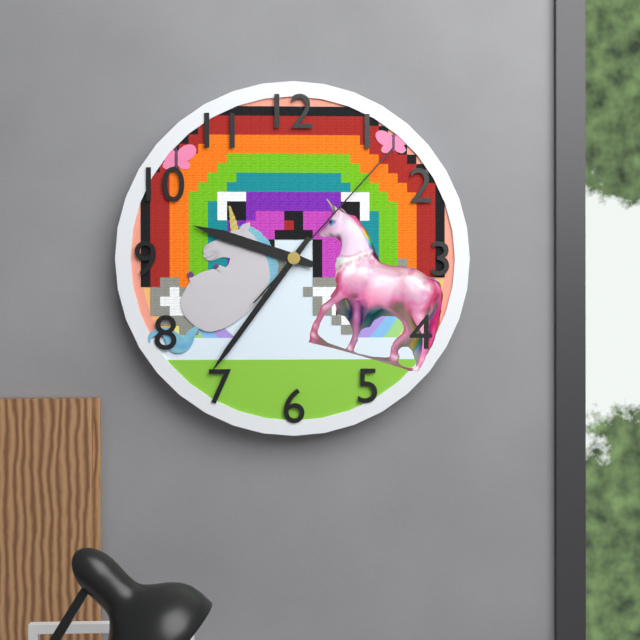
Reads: 9.36.07
